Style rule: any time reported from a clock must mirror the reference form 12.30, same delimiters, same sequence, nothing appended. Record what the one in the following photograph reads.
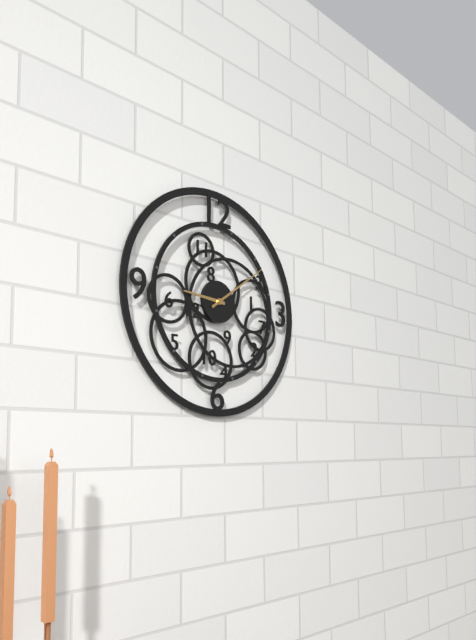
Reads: 9.09
